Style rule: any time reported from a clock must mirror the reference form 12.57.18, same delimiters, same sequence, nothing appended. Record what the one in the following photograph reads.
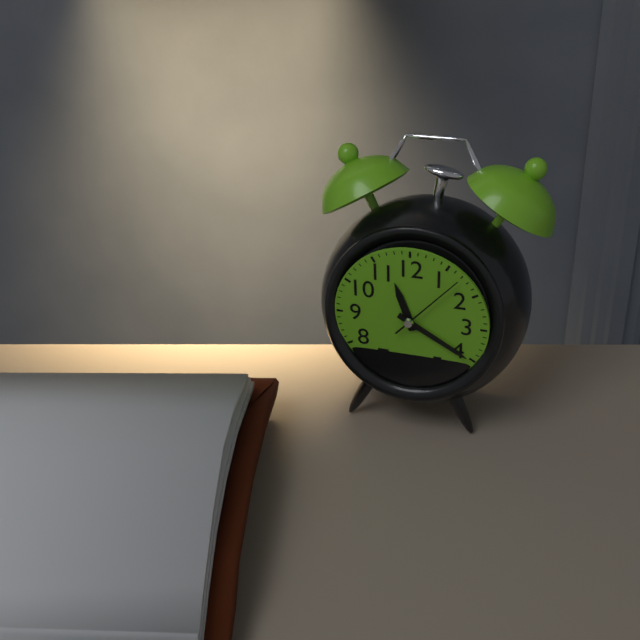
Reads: 11.20.07
